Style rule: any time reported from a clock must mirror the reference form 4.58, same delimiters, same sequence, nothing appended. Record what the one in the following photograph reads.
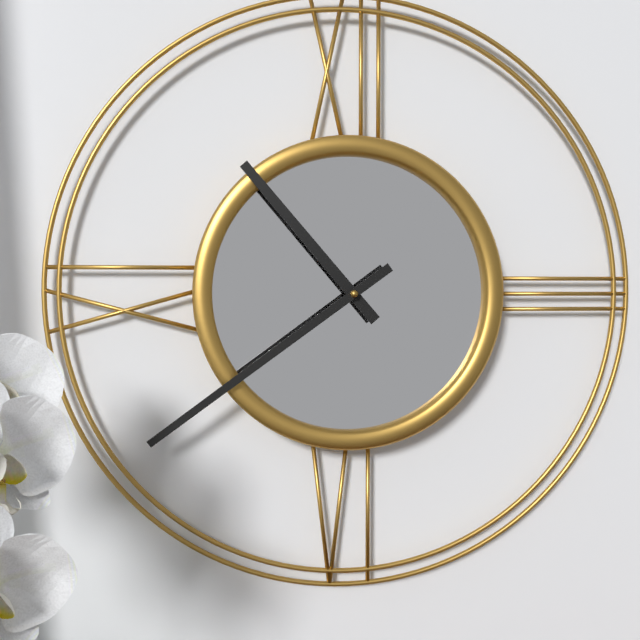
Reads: 10.39
